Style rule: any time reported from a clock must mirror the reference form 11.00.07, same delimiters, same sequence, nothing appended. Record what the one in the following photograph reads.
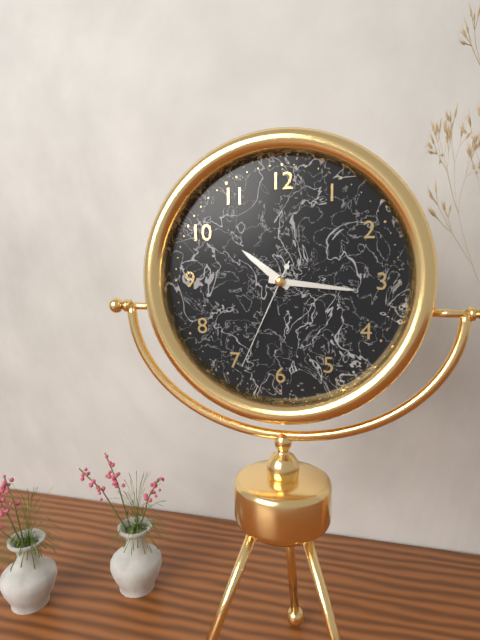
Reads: 10.16.34
